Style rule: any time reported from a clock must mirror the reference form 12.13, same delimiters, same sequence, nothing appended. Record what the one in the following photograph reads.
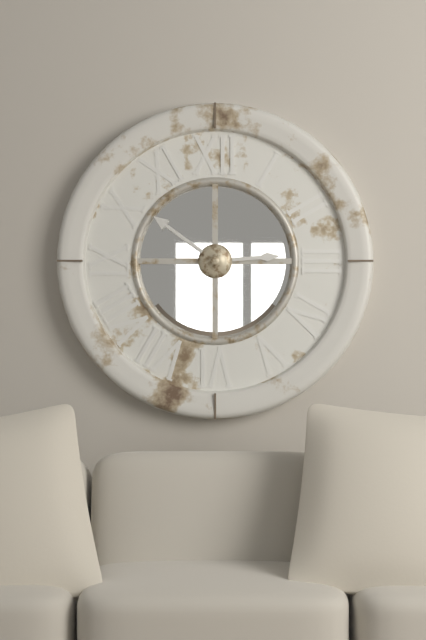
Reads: 2.51
